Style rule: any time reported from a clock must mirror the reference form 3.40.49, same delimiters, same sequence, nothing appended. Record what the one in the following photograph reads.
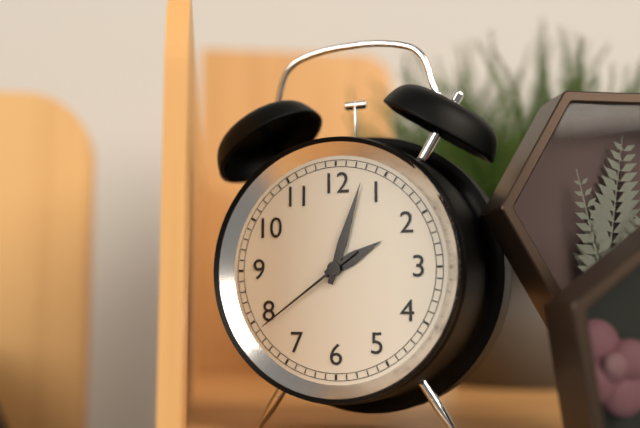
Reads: 2.03.39
